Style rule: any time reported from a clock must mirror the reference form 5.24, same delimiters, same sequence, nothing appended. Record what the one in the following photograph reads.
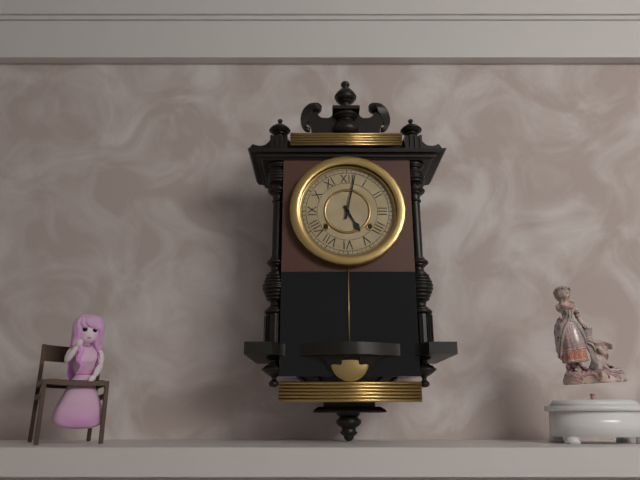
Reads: 5.02
